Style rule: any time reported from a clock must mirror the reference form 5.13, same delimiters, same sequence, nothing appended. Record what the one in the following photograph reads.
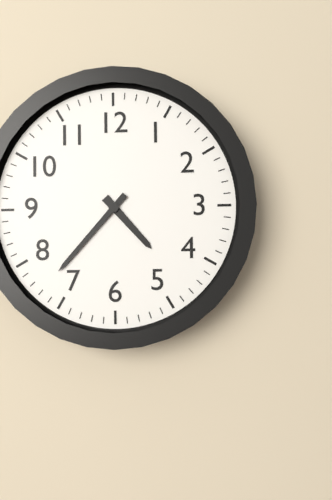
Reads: 4.37
